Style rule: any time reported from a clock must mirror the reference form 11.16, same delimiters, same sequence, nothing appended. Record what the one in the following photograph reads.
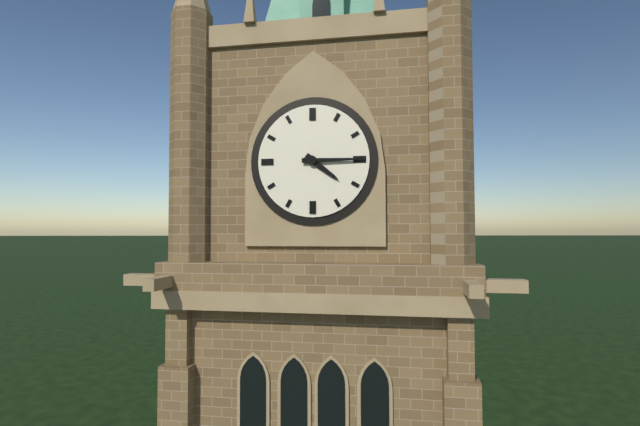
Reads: 4.15
